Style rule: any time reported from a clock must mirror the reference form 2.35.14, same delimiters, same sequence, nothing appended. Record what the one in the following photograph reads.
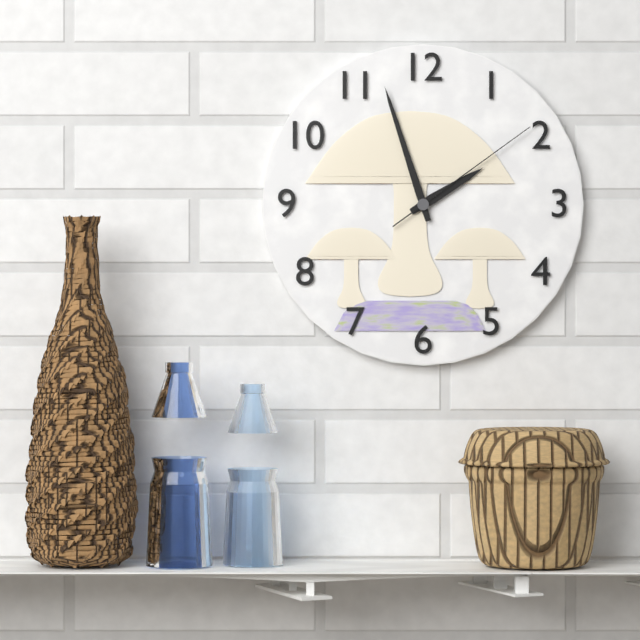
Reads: 1.57.09
